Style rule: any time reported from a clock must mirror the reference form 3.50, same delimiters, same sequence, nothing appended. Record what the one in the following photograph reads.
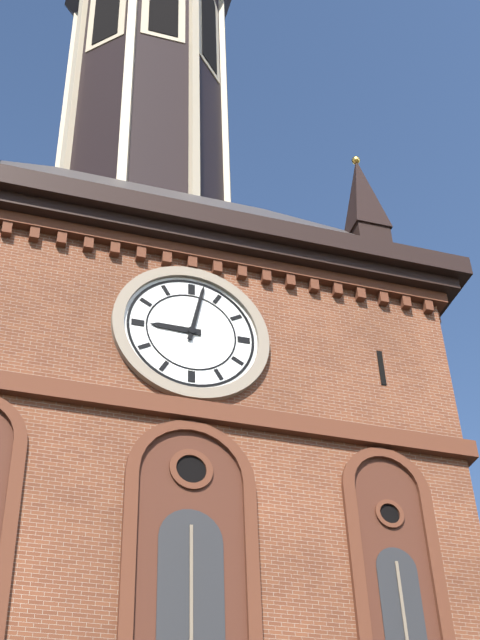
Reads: 9.02
